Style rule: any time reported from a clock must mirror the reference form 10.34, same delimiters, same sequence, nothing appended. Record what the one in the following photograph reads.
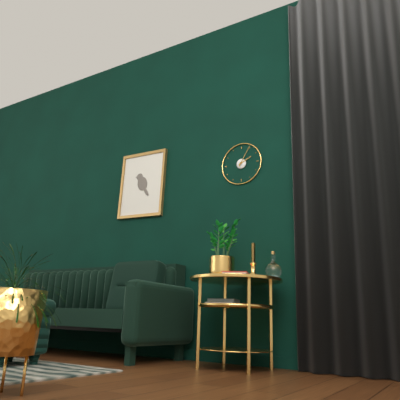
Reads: 2.05
